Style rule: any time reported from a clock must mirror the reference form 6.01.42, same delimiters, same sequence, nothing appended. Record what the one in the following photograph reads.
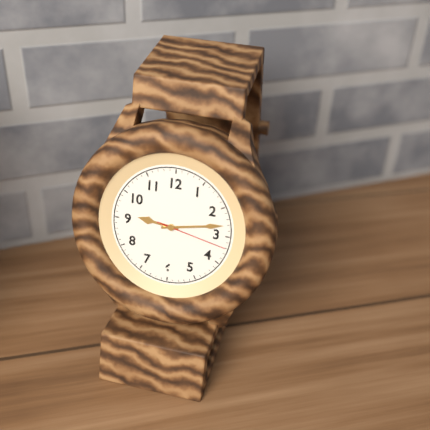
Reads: 9.13.17
